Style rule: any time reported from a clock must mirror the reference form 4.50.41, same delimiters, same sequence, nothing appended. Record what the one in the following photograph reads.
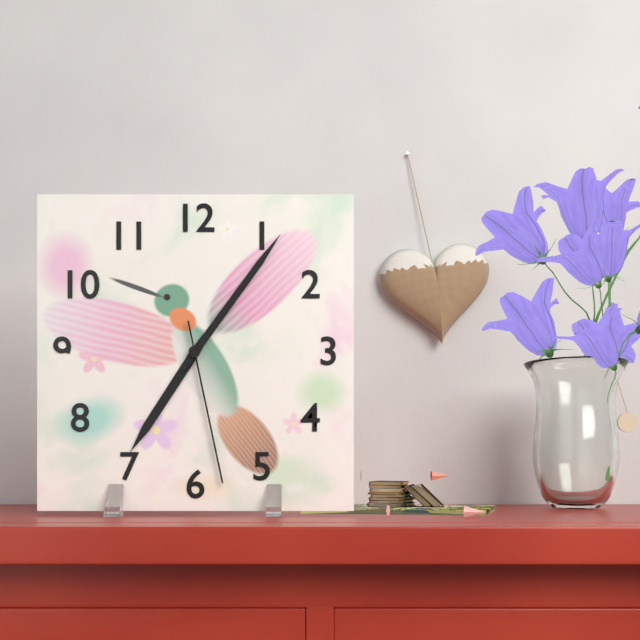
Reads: 7.06.28
